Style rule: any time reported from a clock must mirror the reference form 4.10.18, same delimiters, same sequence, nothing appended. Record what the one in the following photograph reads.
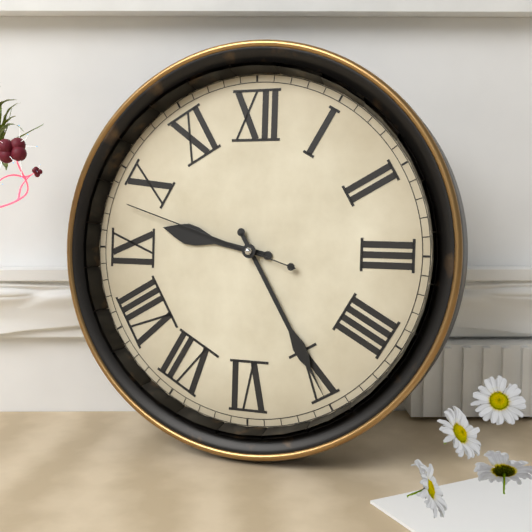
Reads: 9.25.48
